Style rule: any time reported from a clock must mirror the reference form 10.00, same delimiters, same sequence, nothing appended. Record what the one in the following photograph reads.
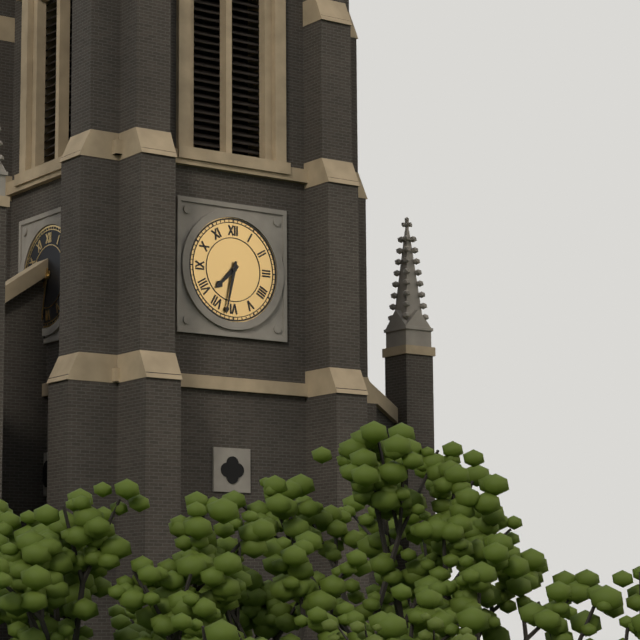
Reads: 7.32
